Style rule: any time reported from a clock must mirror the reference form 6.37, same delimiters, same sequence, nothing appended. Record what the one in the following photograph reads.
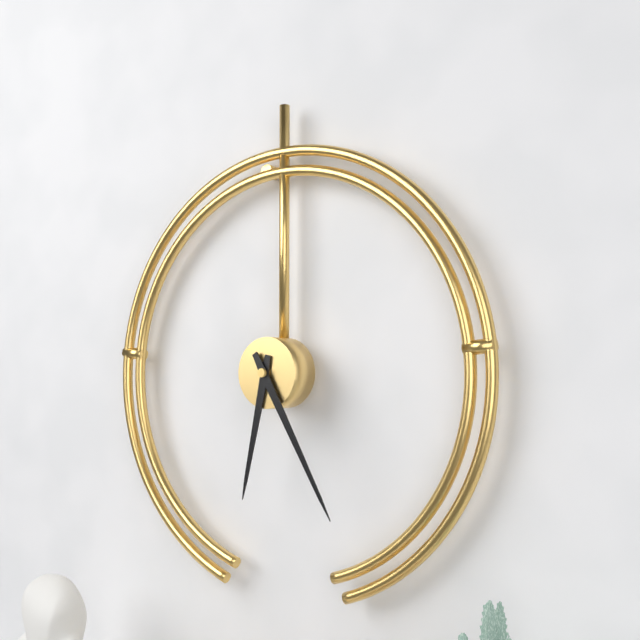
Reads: 6.25
